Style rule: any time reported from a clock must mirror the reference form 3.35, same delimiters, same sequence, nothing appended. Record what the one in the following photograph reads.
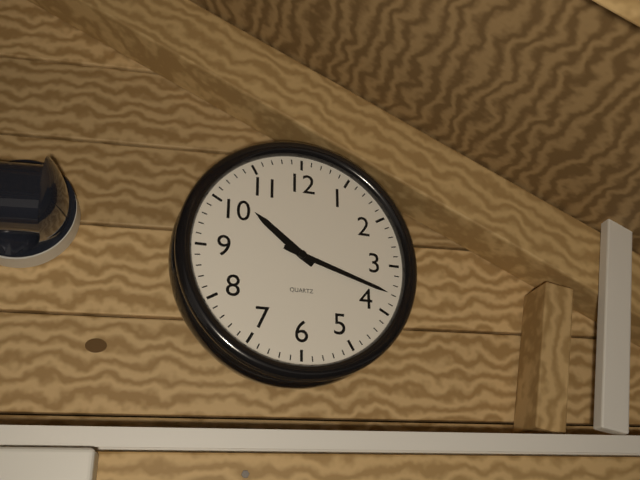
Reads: 10.18
